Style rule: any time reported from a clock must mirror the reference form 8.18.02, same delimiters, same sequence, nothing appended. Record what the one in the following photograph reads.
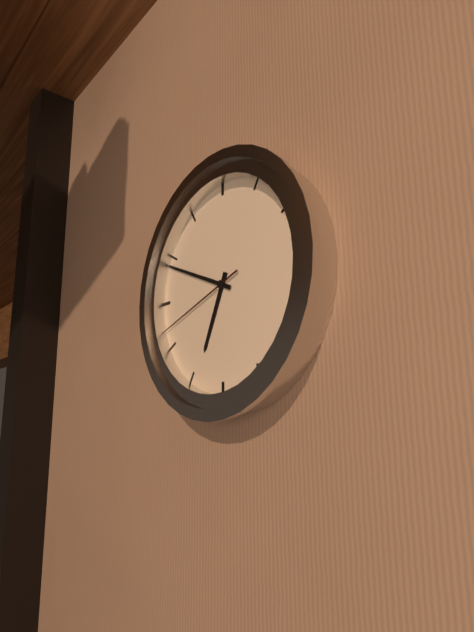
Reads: 6.49.42
